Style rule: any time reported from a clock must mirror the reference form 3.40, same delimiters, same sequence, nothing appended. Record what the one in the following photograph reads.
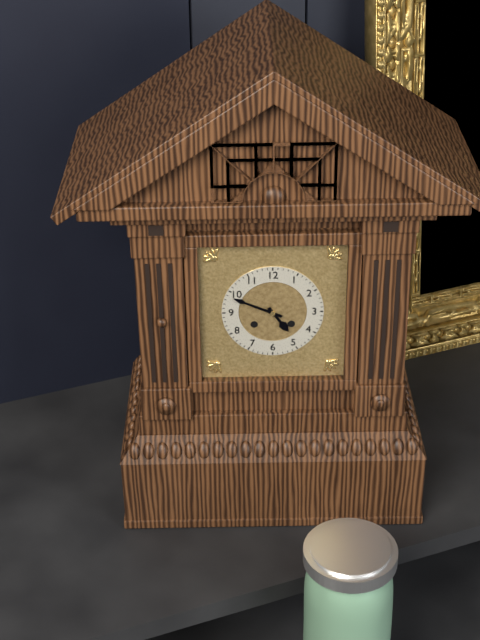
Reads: 4.49
